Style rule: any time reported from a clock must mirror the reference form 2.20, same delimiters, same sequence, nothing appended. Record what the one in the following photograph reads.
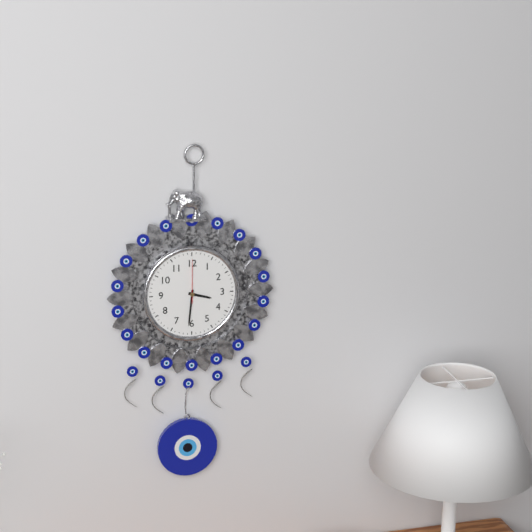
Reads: 3.31
